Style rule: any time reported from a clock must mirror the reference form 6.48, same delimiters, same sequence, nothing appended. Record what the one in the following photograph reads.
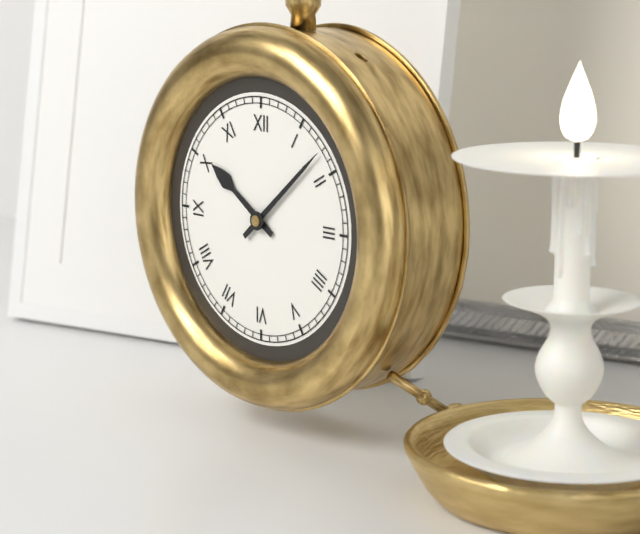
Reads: 10.08
